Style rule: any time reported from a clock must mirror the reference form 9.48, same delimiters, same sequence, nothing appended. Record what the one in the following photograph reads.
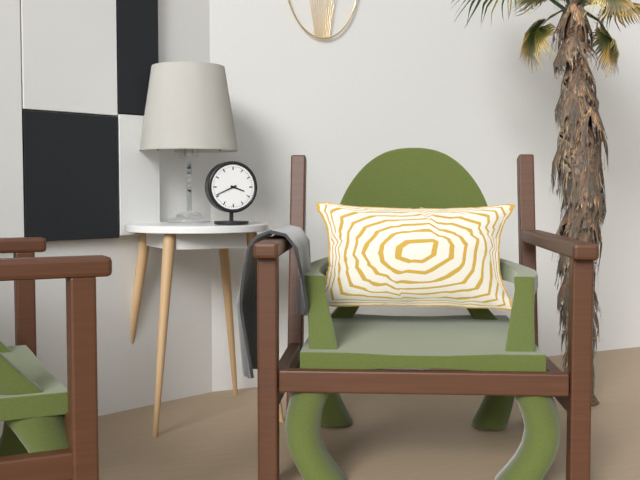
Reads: 3.41
